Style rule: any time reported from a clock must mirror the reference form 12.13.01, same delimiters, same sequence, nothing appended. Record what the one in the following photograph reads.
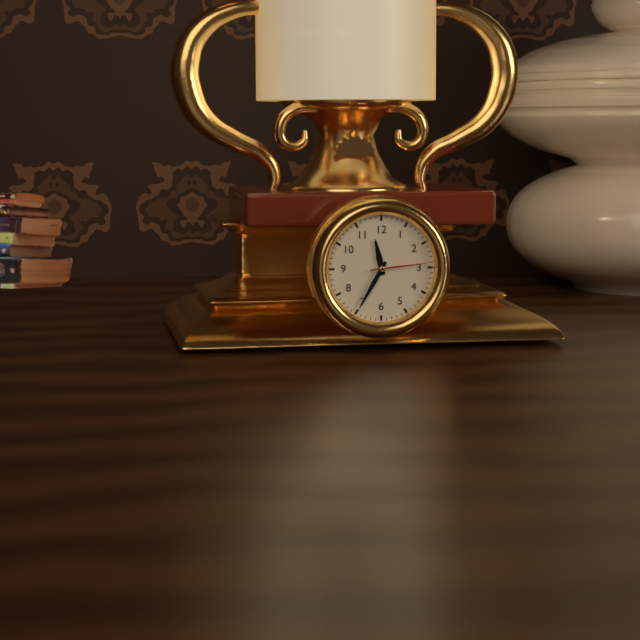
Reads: 11.35.14
